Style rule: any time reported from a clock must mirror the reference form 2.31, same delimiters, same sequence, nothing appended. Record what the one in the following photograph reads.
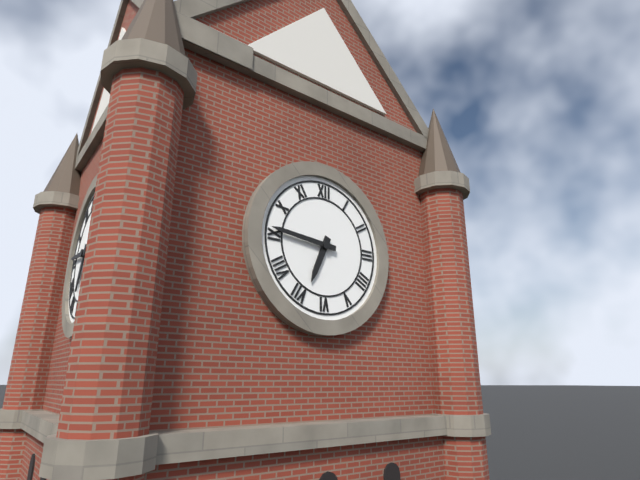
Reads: 6.46
